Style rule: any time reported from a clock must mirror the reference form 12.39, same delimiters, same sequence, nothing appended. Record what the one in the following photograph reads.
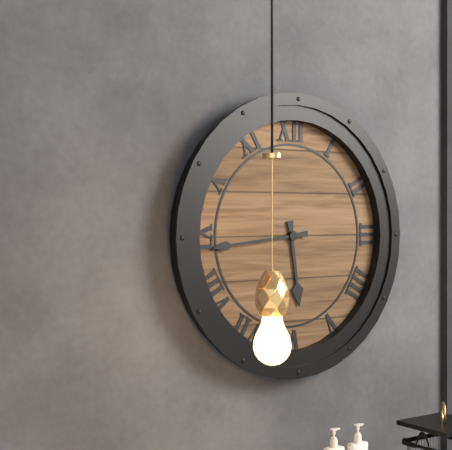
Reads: 5.44
